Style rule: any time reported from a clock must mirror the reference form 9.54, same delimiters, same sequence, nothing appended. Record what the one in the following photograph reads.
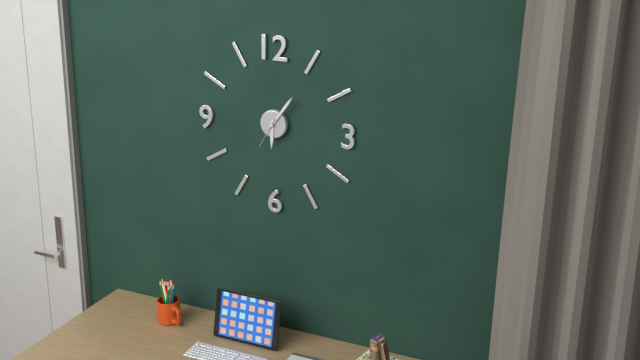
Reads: 6.06
